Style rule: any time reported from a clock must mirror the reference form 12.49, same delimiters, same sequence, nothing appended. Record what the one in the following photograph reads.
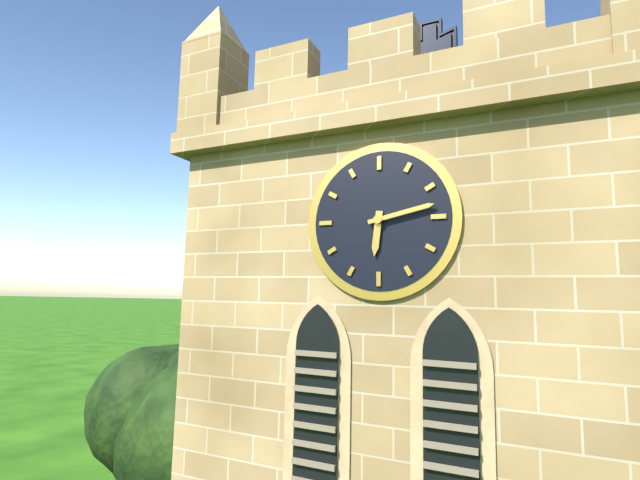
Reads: 6.13
